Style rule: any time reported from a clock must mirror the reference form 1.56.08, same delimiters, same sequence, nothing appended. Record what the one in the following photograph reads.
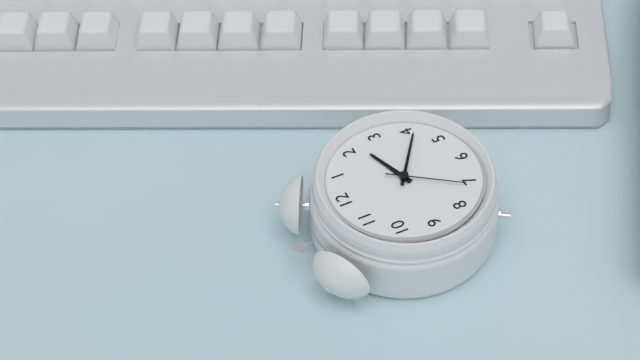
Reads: 2.21.36
